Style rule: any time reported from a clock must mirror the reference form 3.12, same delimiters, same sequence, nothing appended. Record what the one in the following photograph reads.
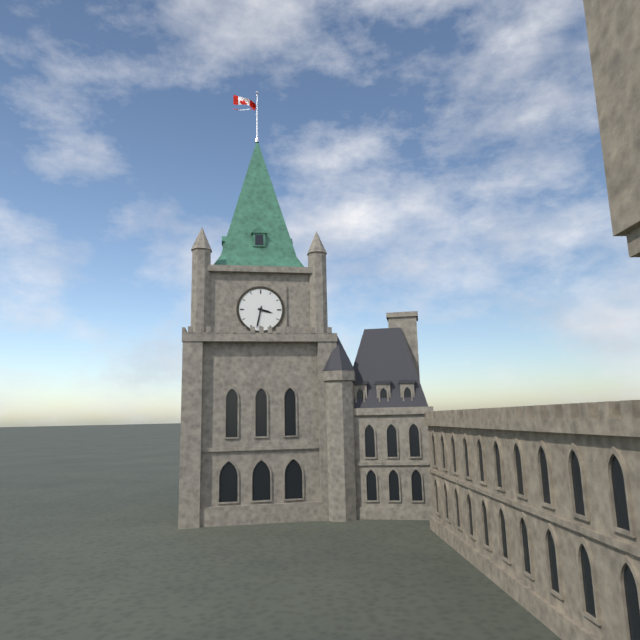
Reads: 3.32
